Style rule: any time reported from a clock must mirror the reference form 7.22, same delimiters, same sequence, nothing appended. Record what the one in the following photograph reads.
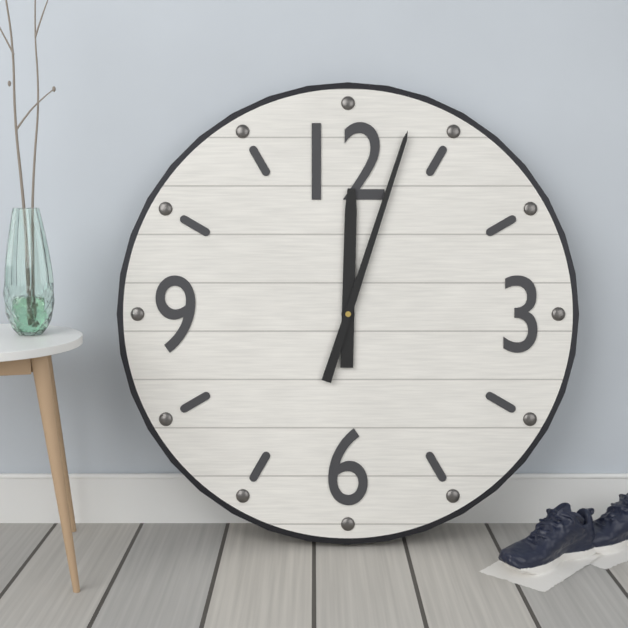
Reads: 12.03
